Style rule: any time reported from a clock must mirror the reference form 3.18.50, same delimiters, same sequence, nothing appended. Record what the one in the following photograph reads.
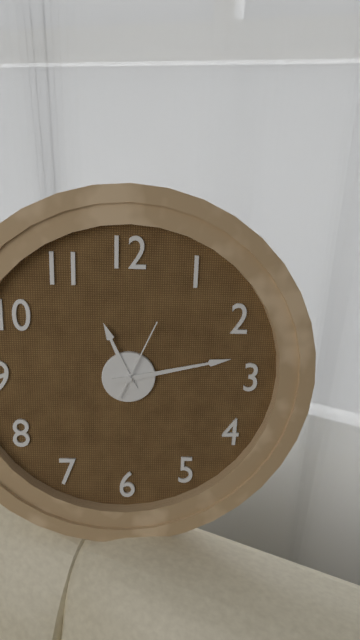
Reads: 11.13.04
